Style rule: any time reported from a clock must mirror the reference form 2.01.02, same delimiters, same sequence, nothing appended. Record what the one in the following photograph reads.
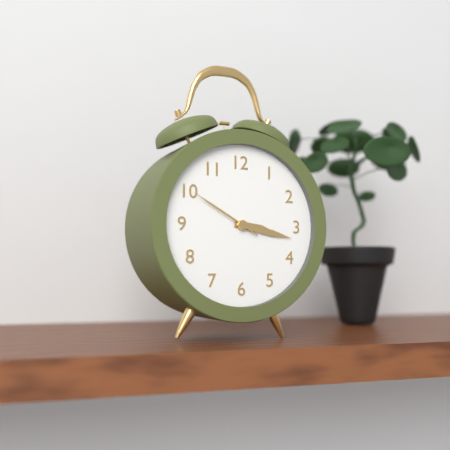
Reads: 3.17.50
